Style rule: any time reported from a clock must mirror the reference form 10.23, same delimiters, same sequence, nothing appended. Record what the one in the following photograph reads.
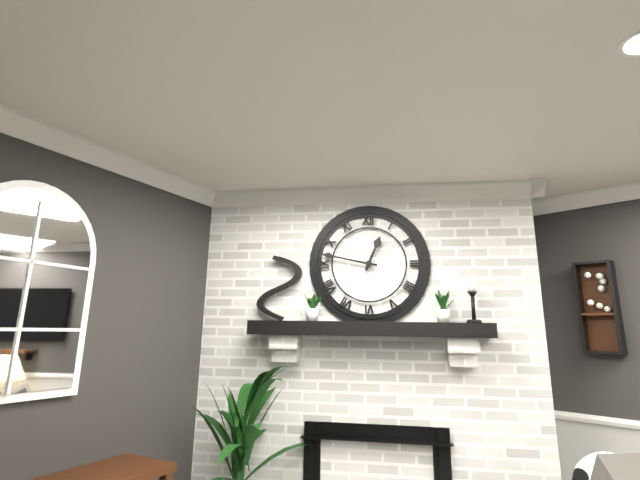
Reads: 12.47
